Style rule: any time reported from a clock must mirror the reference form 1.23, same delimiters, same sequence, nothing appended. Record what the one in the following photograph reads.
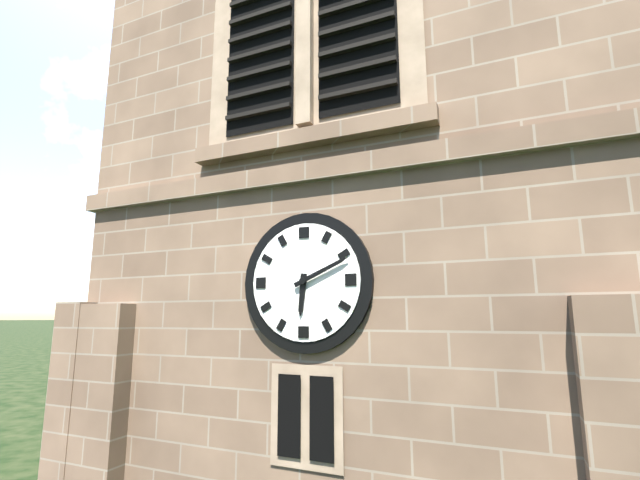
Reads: 6.11
